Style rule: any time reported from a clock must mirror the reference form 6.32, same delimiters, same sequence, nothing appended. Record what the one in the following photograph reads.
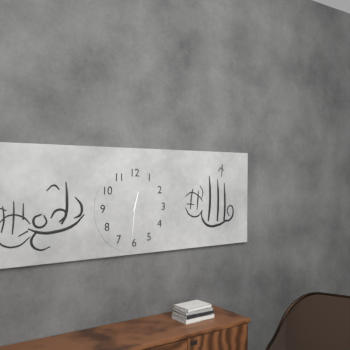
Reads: 12.31
